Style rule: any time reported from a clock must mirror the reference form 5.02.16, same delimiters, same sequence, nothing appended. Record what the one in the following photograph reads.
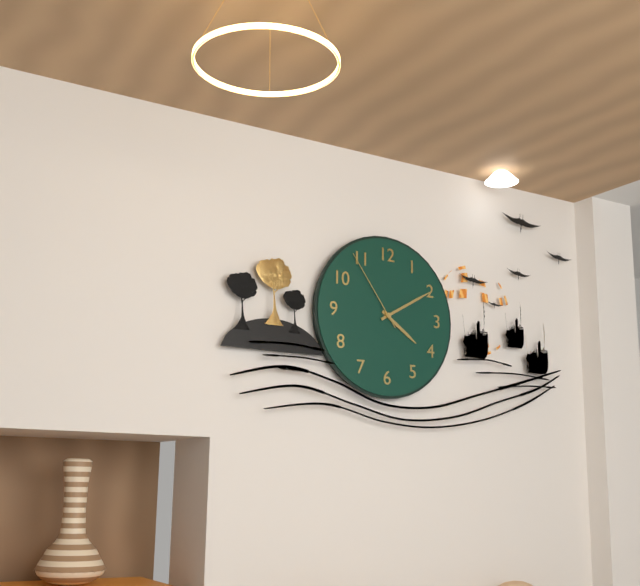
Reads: 4.10.54
